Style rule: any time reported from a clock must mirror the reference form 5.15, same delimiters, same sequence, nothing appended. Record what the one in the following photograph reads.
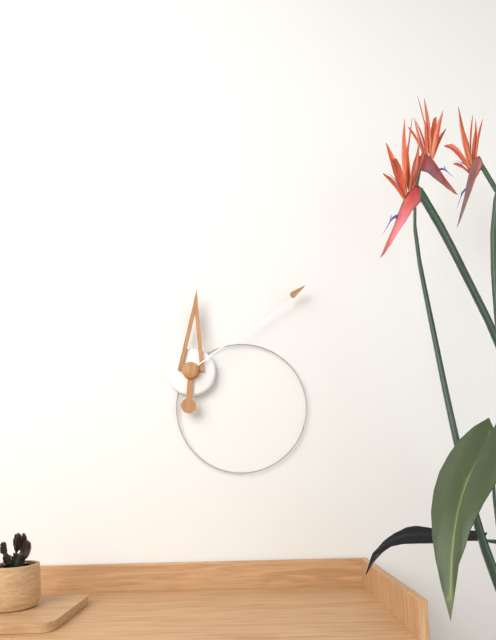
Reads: 12.09
